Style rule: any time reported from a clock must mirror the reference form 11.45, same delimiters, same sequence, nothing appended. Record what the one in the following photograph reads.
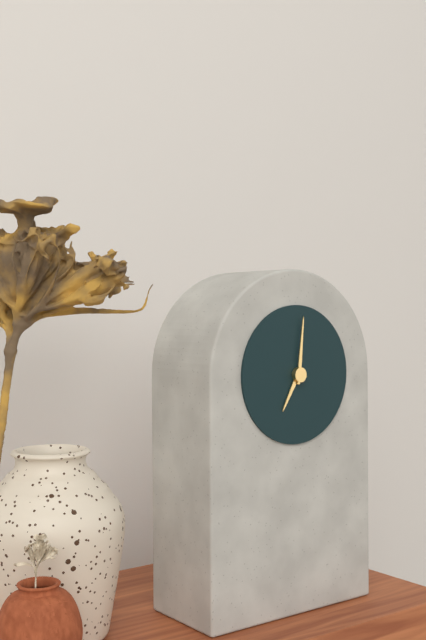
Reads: 7.01
